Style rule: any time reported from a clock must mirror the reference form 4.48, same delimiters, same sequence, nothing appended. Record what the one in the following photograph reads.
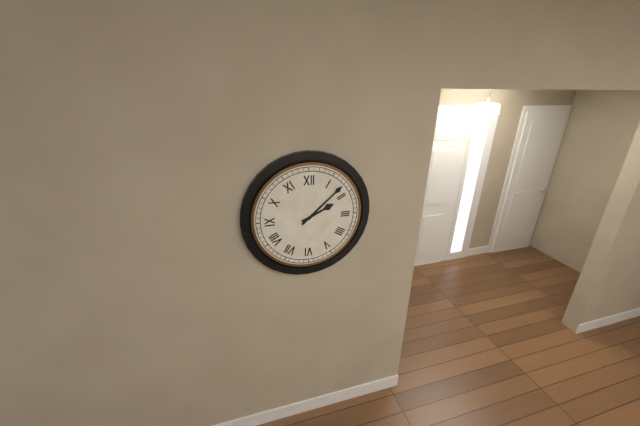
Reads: 2.08
